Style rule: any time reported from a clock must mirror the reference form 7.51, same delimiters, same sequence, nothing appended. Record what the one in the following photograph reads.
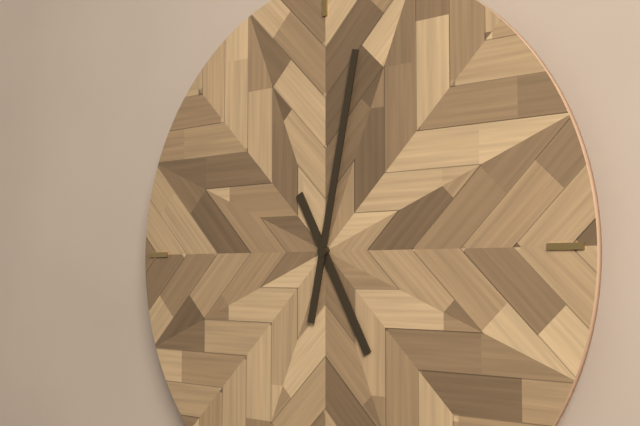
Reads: 5.02
